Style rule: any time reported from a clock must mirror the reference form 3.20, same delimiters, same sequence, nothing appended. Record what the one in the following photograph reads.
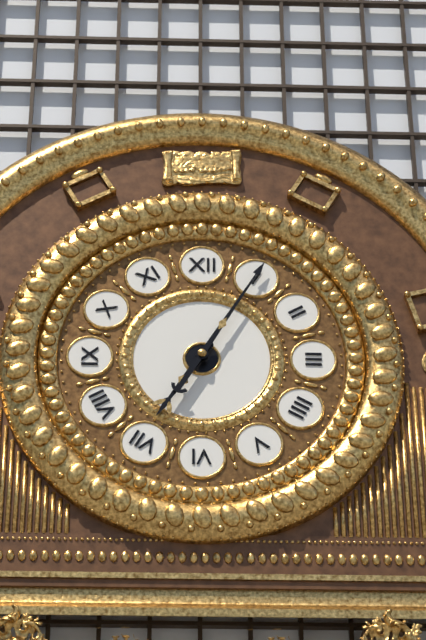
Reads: 7.05
